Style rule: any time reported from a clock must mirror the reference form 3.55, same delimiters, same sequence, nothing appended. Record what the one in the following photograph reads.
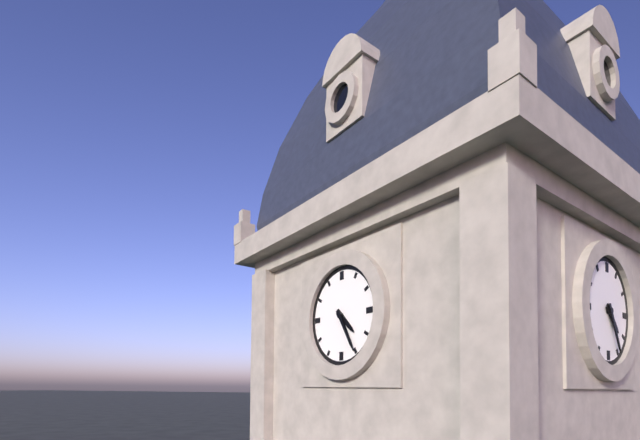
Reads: 4.25
